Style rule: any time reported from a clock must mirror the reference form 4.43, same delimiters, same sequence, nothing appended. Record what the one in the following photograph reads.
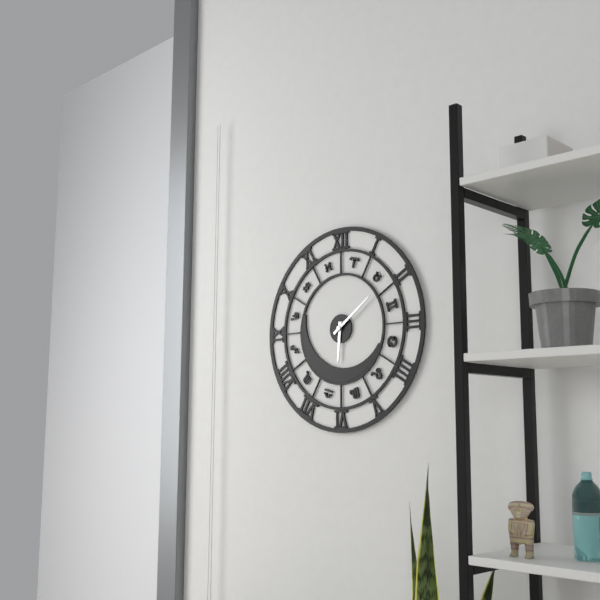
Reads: 6.09
